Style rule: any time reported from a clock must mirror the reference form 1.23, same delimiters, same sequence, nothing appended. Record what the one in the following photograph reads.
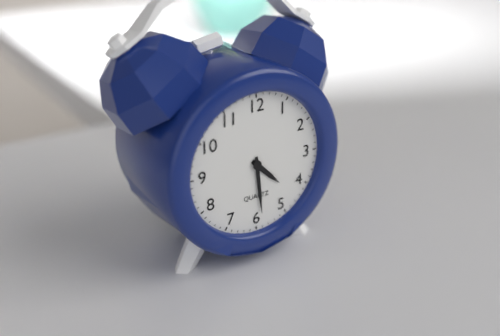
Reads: 4.29
